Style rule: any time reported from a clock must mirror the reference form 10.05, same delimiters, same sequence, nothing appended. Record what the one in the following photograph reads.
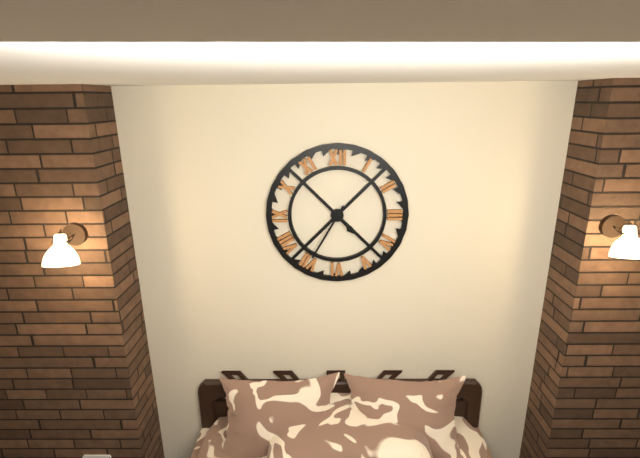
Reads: 4.35
